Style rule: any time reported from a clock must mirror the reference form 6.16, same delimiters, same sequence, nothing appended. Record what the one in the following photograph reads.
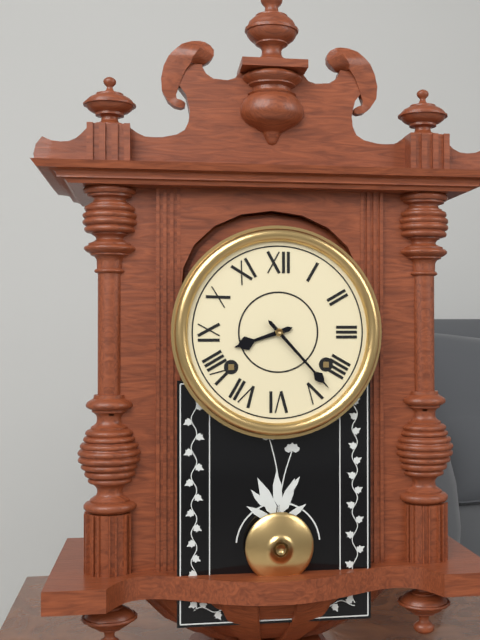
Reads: 8.23
